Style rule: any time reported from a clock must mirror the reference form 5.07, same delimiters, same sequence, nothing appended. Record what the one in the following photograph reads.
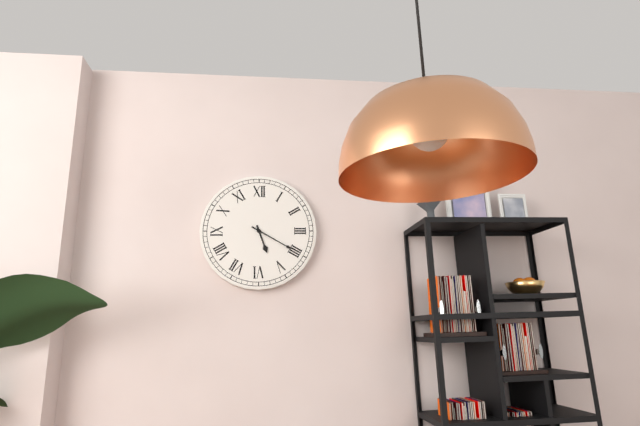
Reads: 5.20
